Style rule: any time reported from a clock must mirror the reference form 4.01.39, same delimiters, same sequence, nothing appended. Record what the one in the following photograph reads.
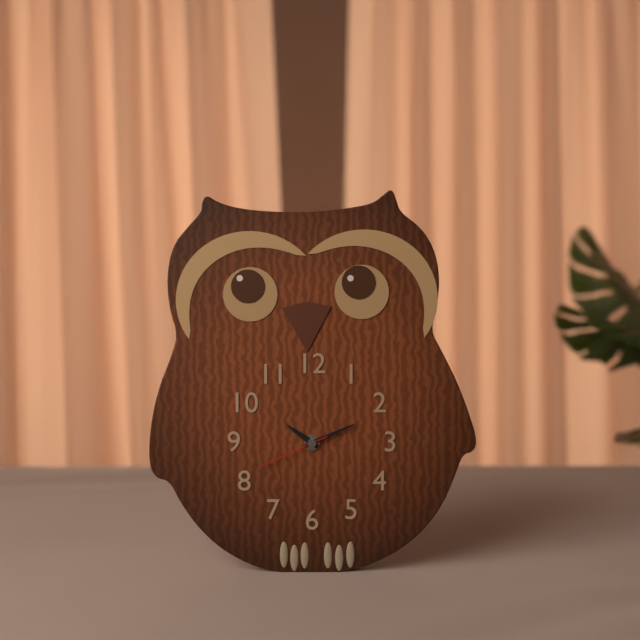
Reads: 10.11.41
